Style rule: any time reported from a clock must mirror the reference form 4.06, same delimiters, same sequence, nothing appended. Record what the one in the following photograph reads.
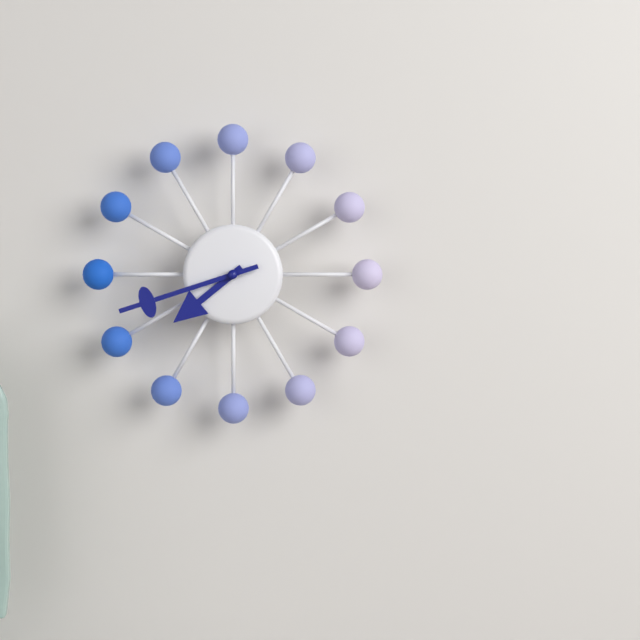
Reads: 7.42
